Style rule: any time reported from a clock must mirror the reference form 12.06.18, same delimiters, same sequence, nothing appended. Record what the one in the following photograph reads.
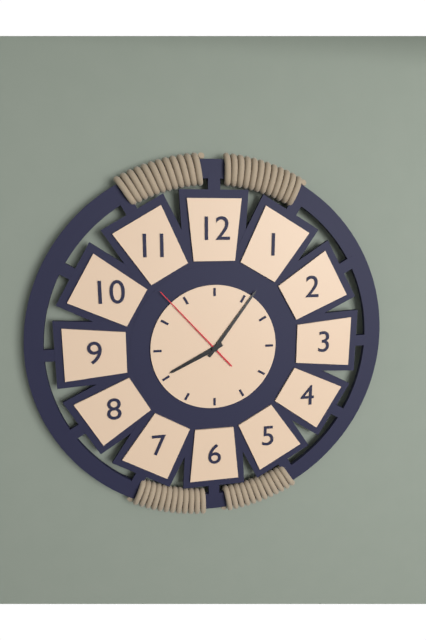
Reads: 8.06.53
